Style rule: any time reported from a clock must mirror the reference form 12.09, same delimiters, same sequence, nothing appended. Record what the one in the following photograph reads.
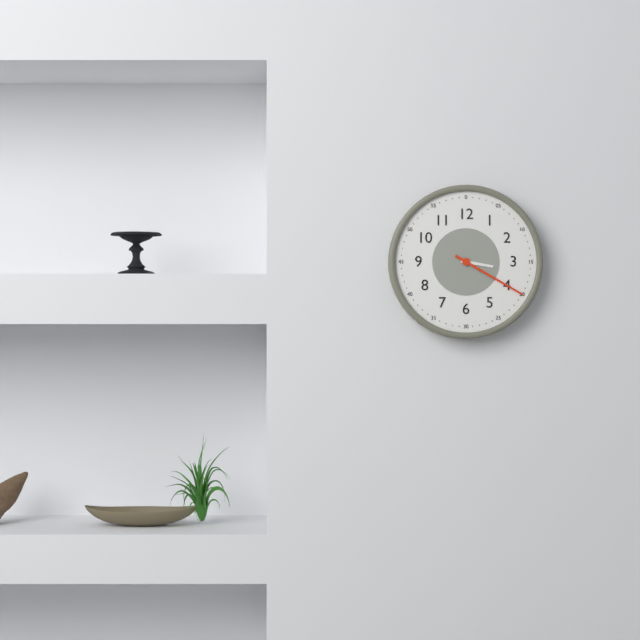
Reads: 3.20
